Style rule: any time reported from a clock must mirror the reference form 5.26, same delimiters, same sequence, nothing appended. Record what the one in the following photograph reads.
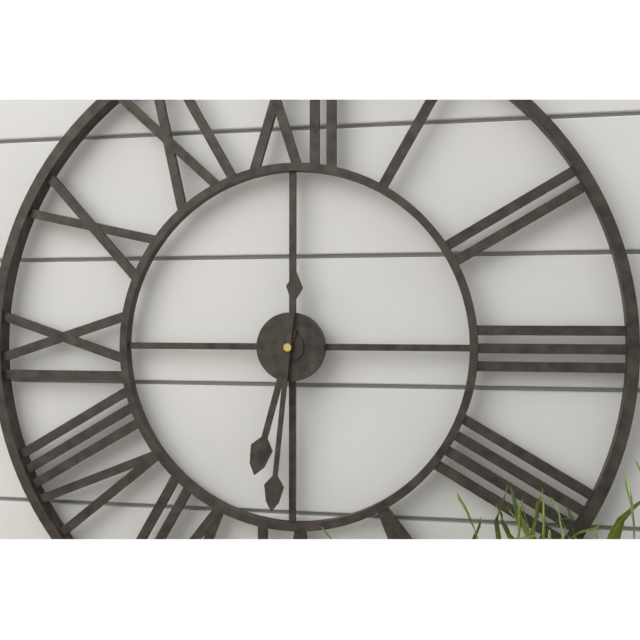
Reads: 6.31
